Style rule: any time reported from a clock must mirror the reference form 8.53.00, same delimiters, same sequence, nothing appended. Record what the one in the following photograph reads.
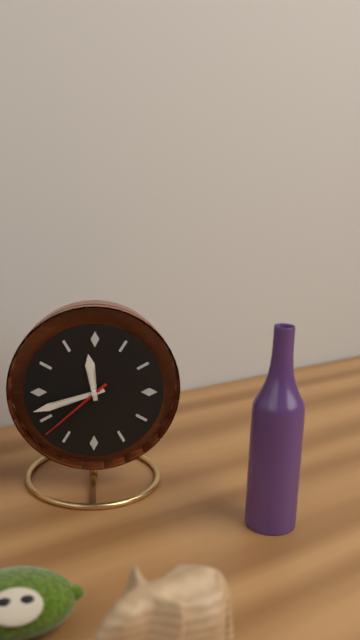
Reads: 11.42.38
